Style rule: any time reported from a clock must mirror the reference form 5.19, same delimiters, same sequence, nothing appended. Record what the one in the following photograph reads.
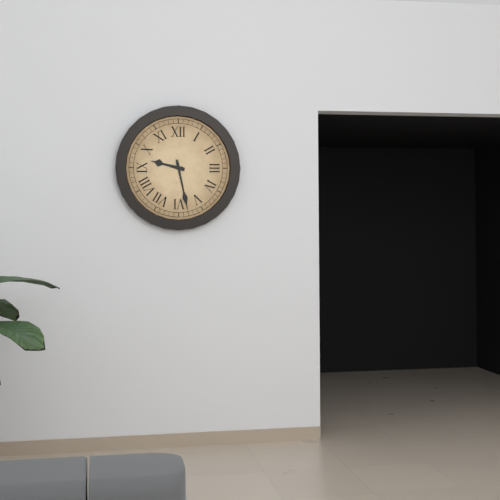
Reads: 9.28
